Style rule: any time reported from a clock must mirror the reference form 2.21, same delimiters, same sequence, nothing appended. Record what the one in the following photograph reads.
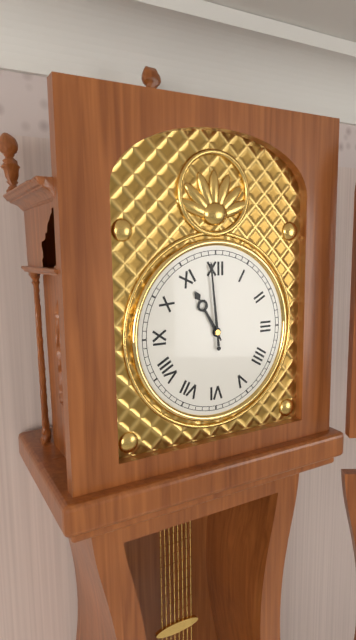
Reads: 10.59
